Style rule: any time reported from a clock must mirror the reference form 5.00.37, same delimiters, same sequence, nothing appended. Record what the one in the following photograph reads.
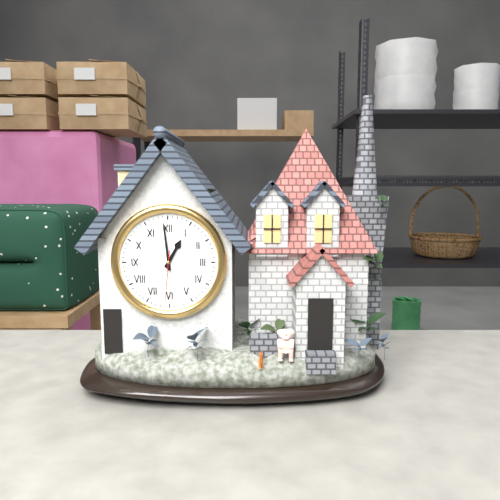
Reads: 12.59.31
